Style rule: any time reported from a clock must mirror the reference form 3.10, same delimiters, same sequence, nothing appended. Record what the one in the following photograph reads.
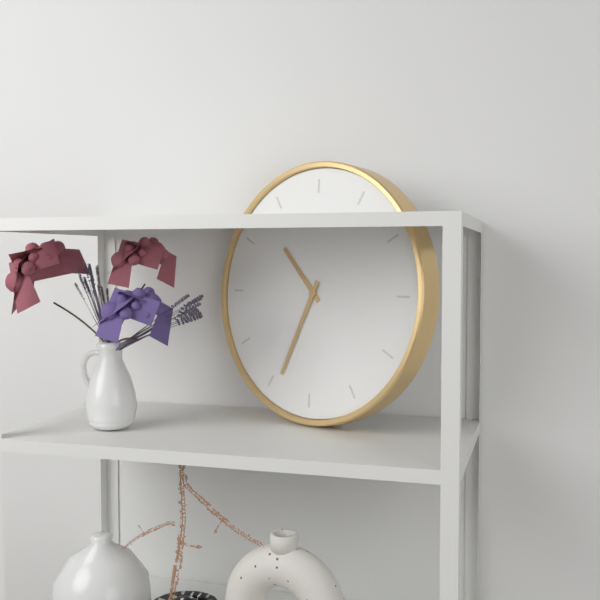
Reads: 10.34
